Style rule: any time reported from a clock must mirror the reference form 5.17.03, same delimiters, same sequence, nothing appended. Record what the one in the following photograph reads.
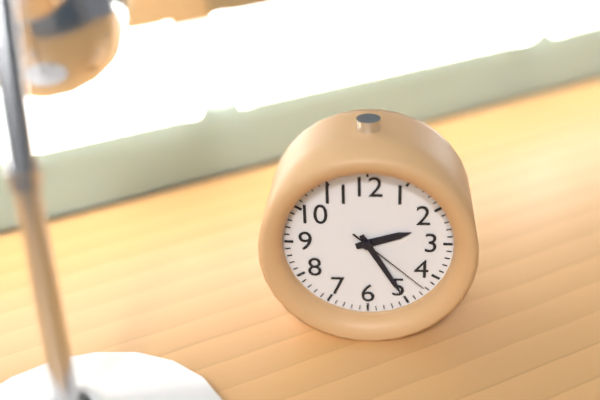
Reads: 2.25.22
